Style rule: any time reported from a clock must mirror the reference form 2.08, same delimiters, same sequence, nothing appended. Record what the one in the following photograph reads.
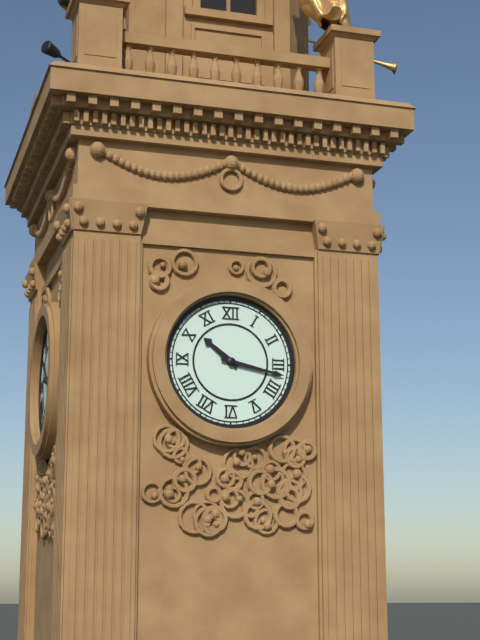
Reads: 10.17
